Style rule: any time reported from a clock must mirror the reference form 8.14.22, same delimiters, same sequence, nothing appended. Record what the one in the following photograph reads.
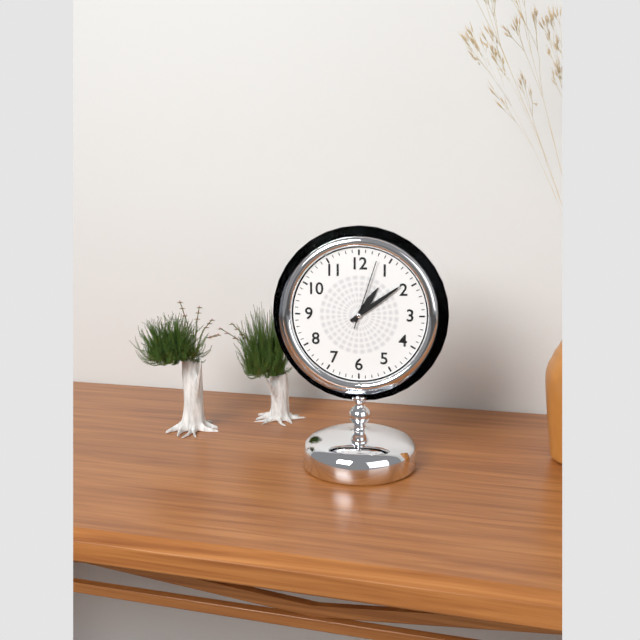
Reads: 1.09.03
